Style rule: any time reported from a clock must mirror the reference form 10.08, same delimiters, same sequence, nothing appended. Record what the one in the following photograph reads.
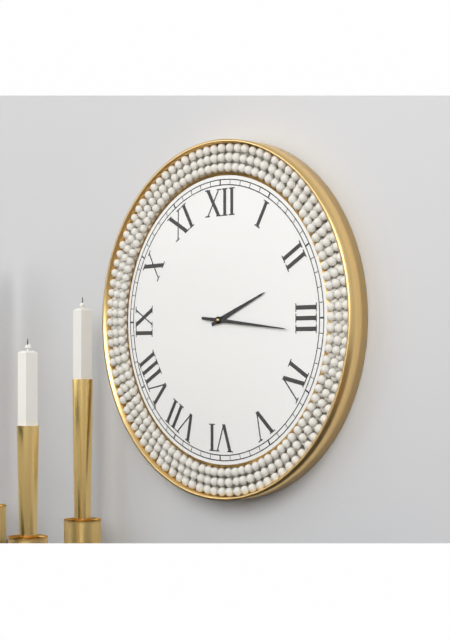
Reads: 2.16
